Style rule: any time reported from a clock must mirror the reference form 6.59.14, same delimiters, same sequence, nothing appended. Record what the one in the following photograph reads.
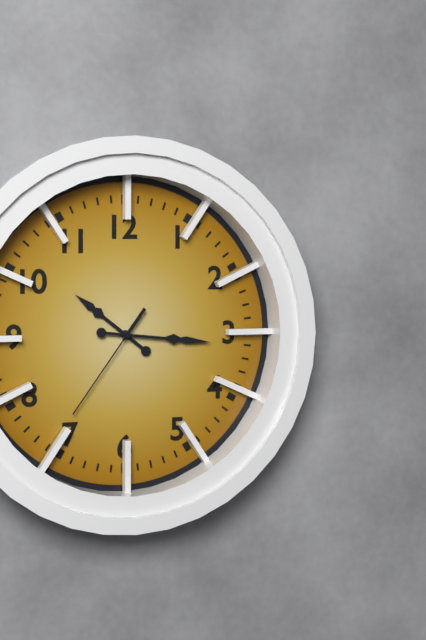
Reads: 10.16.36
